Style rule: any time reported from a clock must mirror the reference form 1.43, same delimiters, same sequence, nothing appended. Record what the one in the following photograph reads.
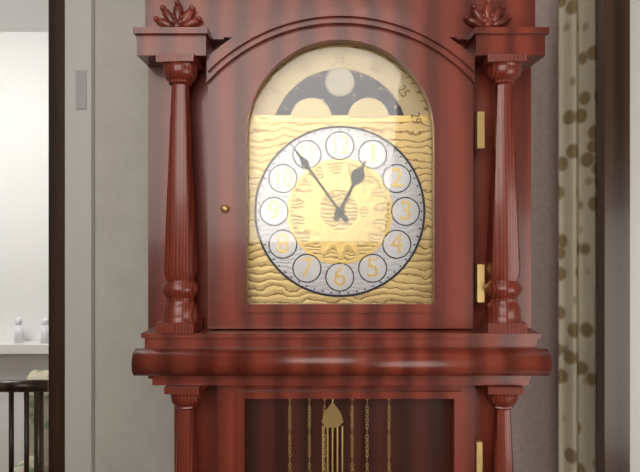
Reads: 12.54
